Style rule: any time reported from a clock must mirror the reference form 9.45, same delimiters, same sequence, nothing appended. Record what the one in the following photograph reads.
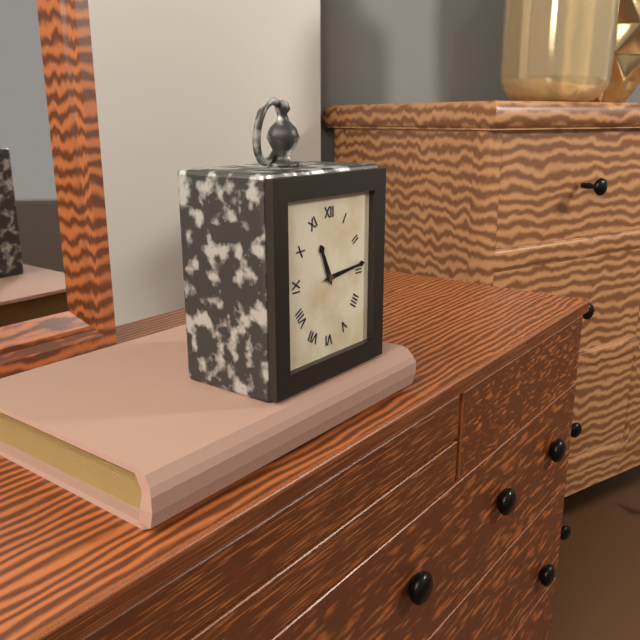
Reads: 11.14
